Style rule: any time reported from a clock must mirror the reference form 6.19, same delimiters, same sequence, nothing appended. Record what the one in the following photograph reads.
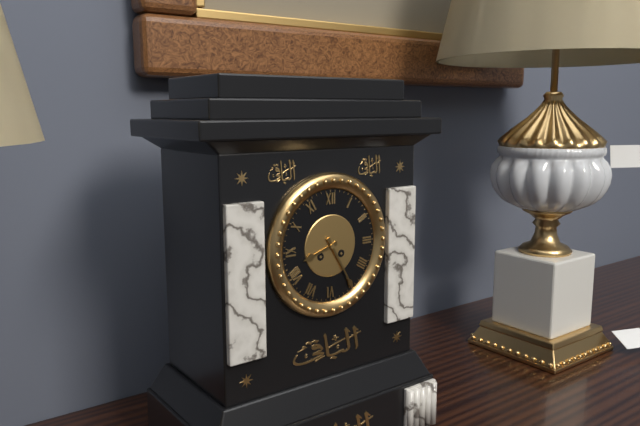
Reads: 8.25
